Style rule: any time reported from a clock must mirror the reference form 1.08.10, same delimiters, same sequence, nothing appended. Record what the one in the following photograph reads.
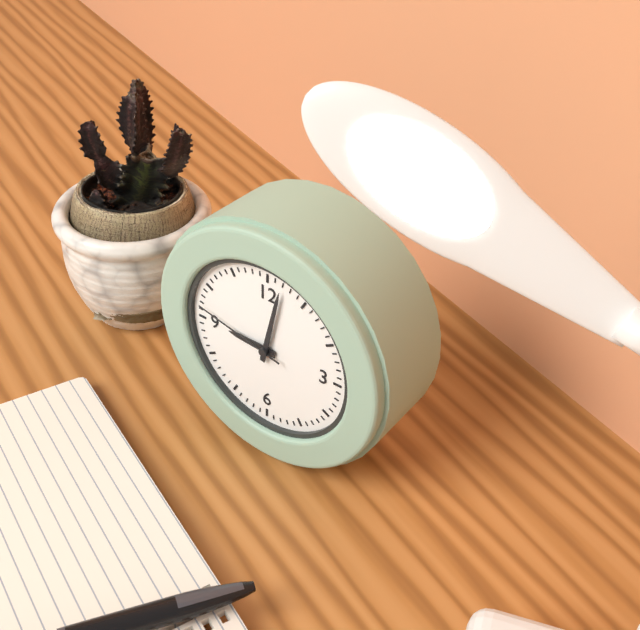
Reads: 9.02.47
